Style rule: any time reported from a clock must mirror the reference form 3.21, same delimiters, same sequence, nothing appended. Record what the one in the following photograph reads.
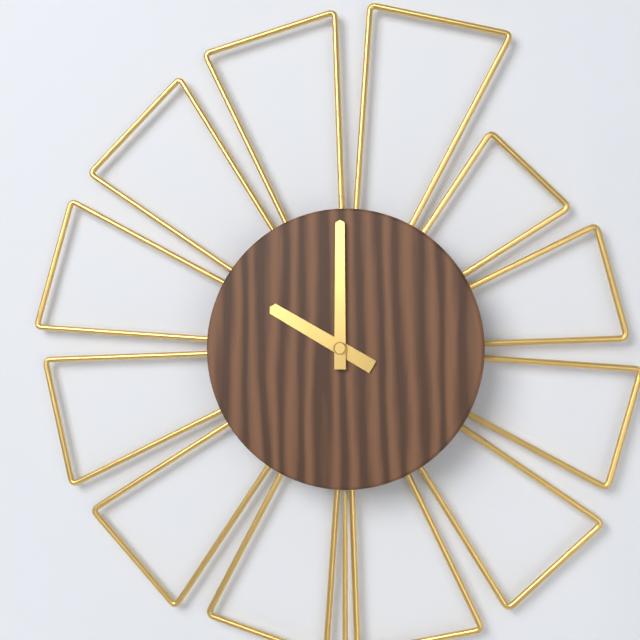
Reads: 10.00
